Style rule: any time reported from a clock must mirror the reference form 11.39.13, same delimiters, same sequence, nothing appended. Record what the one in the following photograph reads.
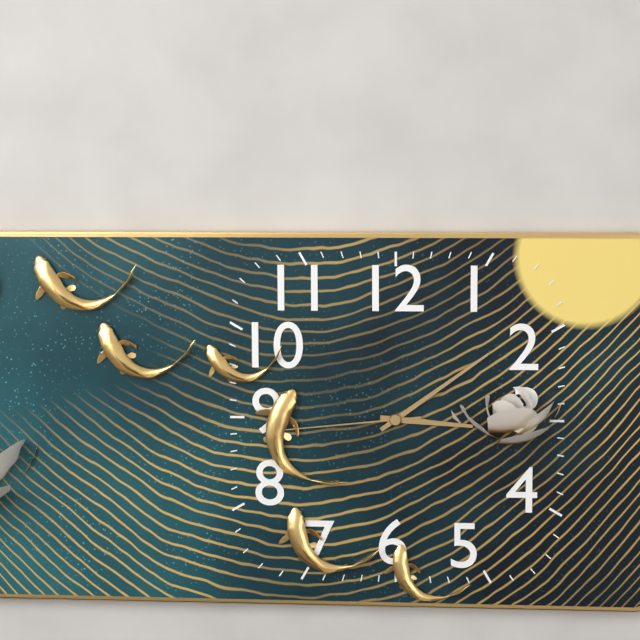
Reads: 3.09.44
